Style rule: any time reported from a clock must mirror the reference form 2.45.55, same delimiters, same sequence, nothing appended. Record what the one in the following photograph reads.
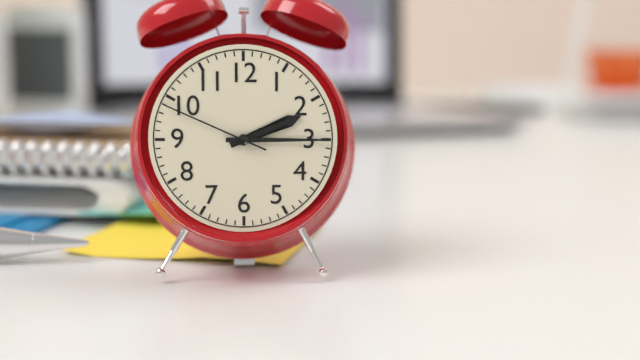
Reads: 2.15.49
